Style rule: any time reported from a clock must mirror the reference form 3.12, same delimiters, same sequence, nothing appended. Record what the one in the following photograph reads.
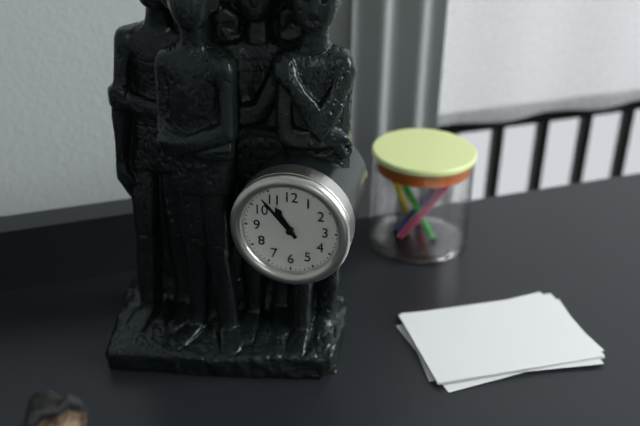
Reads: 10.53
